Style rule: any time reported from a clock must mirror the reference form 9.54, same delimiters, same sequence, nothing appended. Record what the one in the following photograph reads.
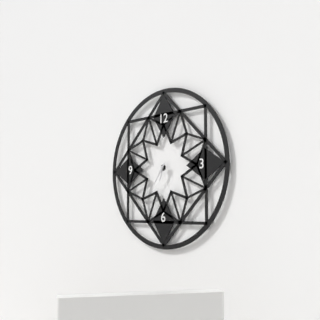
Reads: 6.36
